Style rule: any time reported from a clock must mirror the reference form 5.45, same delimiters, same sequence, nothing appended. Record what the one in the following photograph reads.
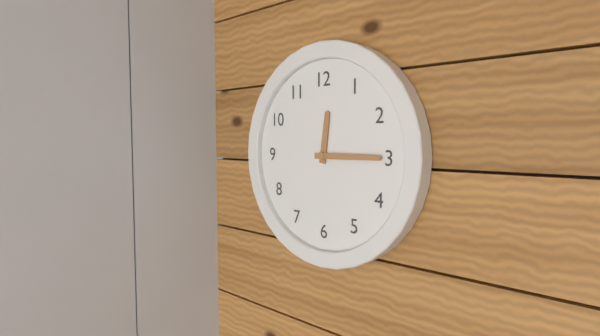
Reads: 12.15
